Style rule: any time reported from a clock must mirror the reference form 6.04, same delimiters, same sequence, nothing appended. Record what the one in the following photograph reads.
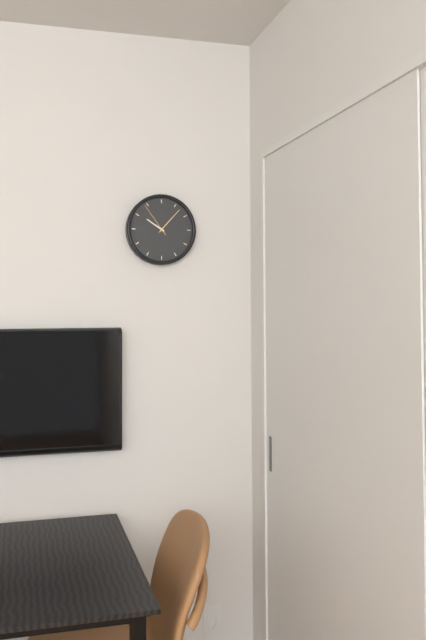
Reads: 10.07
